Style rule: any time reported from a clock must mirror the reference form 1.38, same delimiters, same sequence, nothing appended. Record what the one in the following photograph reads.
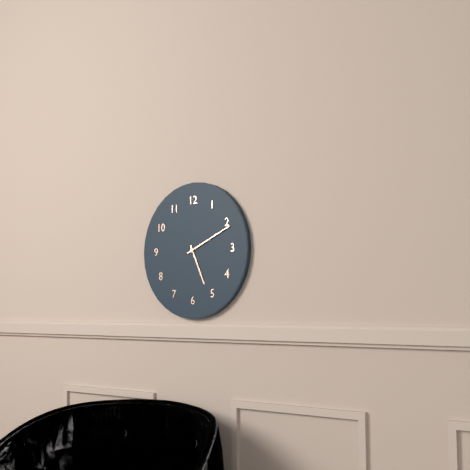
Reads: 5.11
